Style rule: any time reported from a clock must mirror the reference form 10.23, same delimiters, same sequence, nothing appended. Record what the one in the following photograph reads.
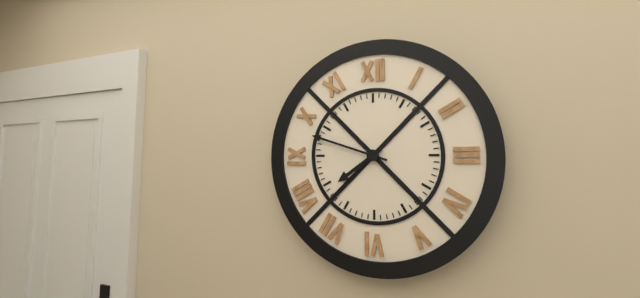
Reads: 7.48
